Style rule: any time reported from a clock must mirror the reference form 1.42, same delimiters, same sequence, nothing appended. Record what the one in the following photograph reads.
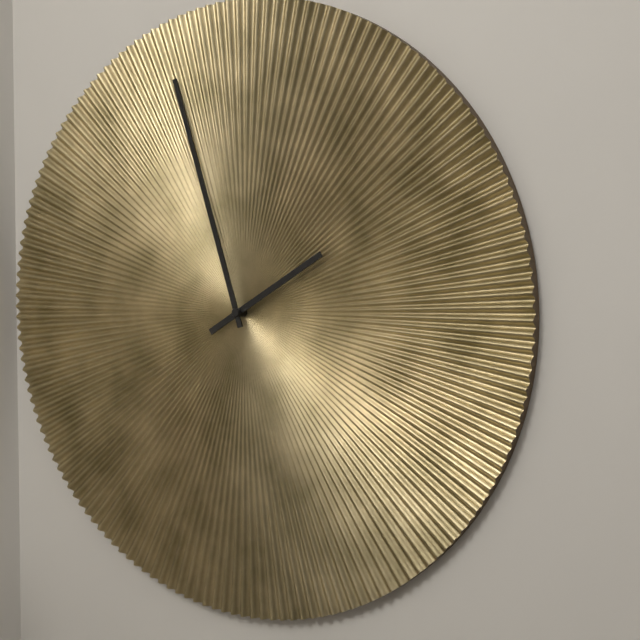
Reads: 1.57
